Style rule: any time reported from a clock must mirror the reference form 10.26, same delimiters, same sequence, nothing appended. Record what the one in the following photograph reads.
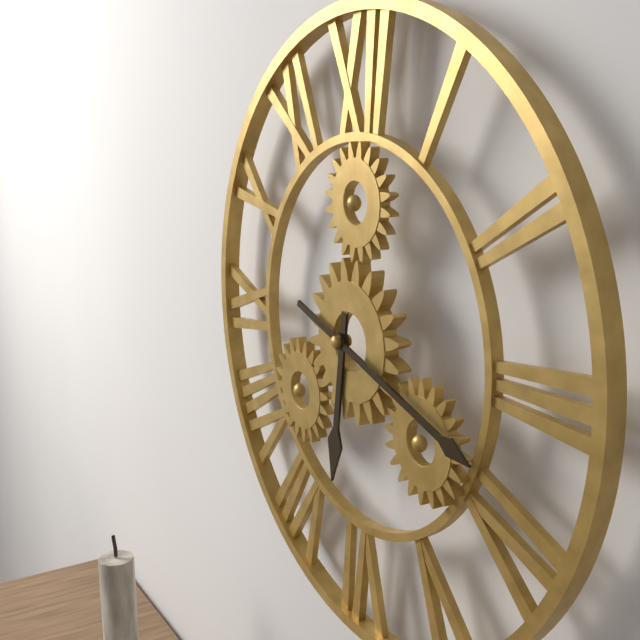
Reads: 6.18
